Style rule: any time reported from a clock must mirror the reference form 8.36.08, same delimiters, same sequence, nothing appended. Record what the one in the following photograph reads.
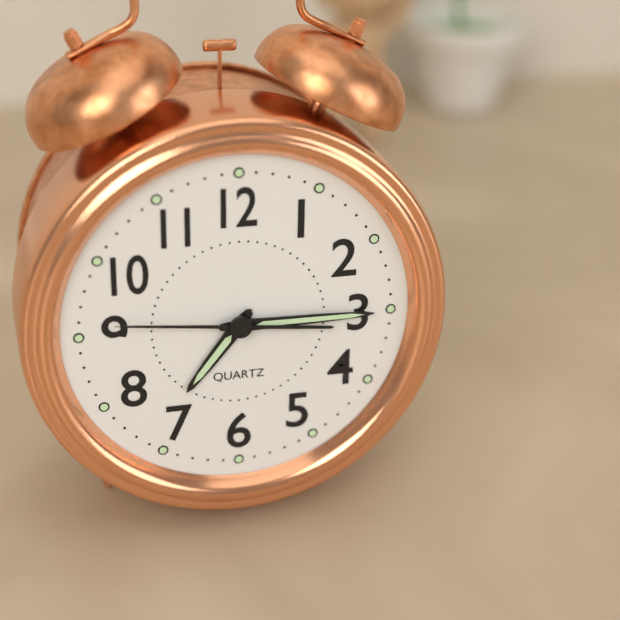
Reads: 7.15.46
